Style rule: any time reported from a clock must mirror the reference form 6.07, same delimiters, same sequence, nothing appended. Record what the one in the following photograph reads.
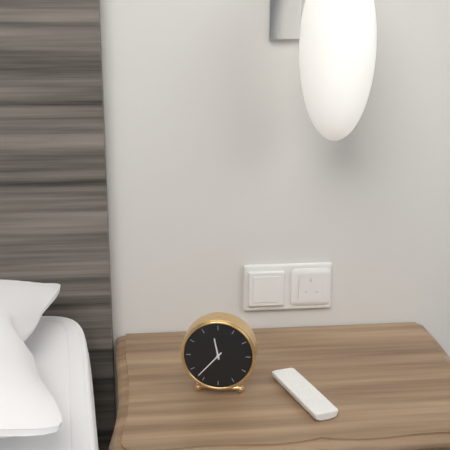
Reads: 11.37
